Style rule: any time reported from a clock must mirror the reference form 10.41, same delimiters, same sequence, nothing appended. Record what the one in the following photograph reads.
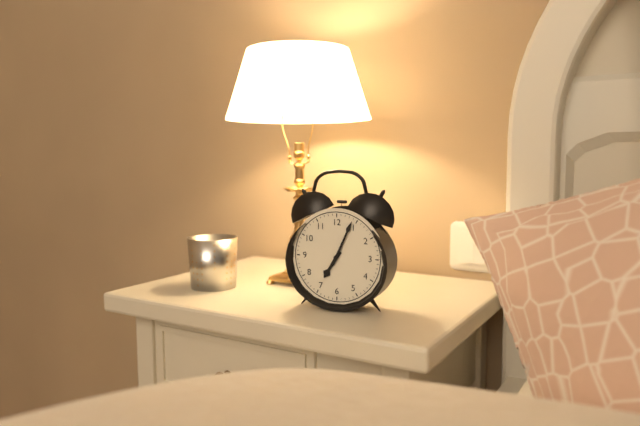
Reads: 7.04
